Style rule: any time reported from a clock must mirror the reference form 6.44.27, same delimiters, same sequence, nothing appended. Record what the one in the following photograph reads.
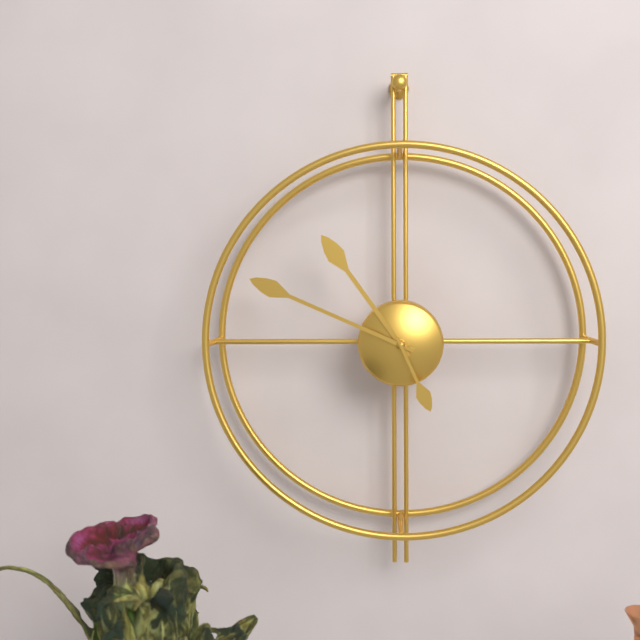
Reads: 10.49.26
